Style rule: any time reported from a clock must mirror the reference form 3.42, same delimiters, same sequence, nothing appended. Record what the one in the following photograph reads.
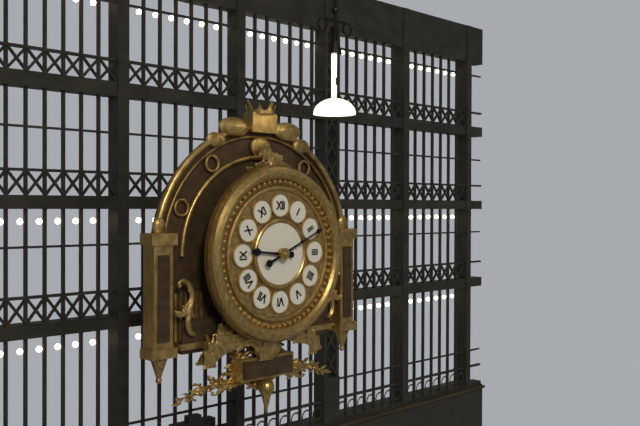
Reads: 9.11
